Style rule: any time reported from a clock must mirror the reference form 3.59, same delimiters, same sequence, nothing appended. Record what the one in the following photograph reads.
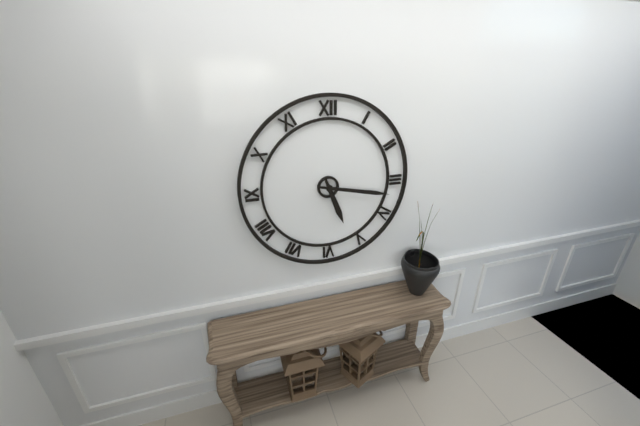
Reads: 5.17
